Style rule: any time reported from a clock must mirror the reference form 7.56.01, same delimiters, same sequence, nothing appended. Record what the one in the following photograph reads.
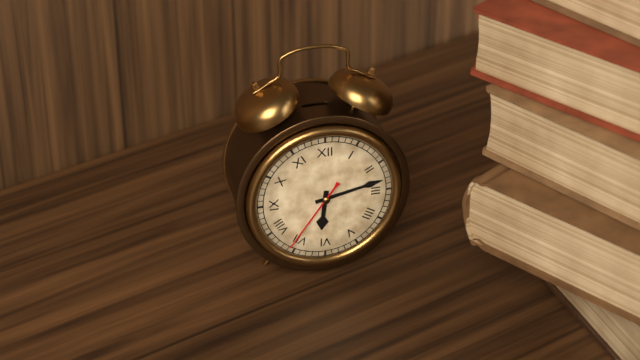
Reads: 6.13.36
